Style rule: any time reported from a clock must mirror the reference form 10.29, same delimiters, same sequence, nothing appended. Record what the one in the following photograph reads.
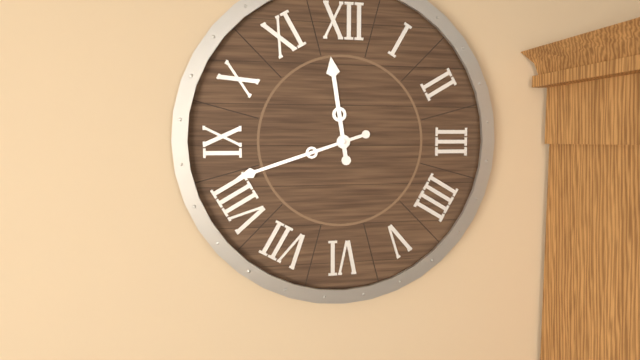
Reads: 11.42
